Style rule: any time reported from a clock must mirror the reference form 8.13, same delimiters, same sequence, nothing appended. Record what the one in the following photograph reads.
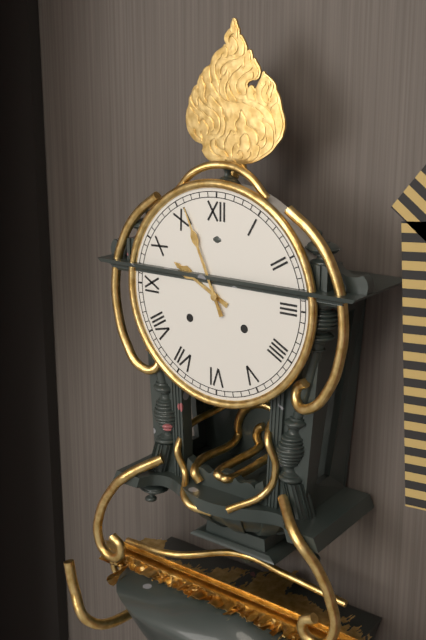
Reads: 9.56
